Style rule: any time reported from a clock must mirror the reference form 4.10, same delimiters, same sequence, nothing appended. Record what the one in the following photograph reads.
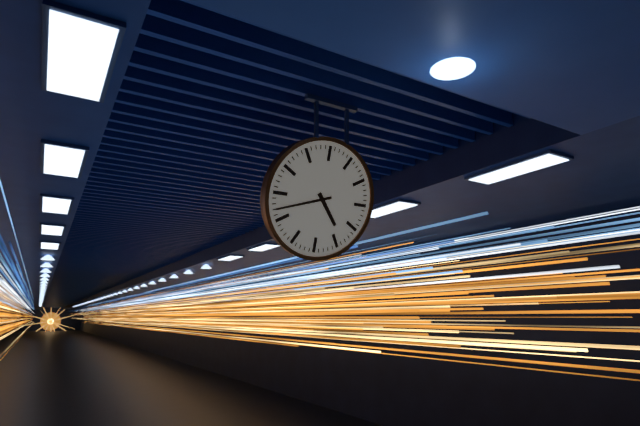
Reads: 4.42
